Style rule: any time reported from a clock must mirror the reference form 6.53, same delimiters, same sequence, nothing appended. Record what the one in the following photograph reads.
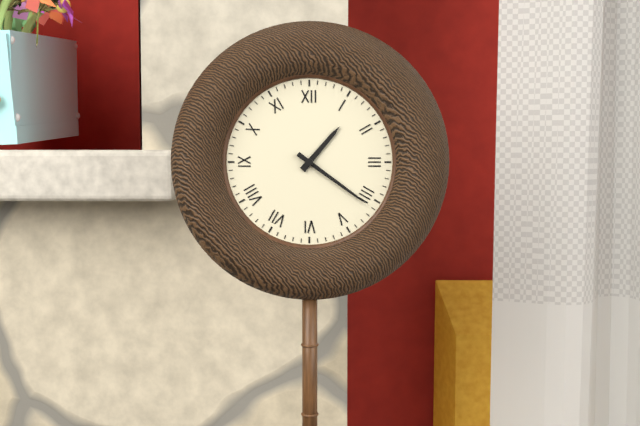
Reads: 1.21
